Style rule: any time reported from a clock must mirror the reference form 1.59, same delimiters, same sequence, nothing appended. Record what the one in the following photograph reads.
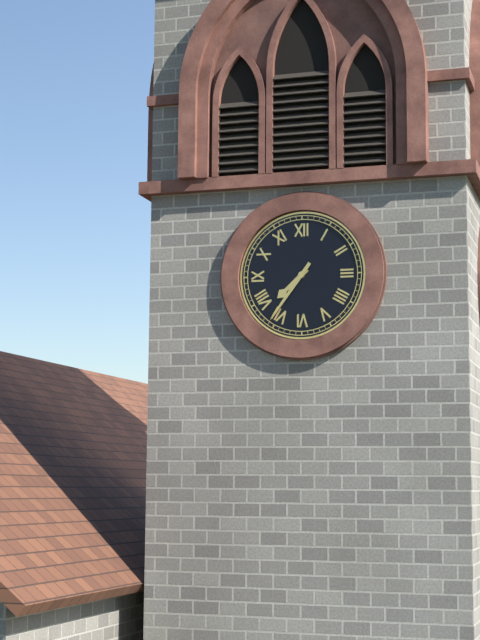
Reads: 7.36
